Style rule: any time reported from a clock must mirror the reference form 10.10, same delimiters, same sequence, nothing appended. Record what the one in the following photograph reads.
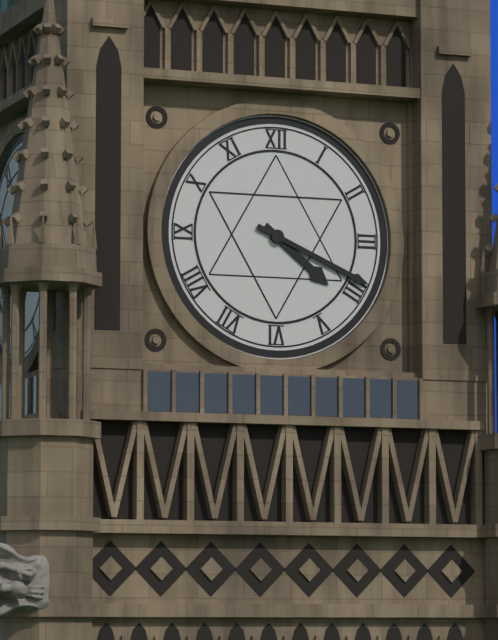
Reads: 4.19
